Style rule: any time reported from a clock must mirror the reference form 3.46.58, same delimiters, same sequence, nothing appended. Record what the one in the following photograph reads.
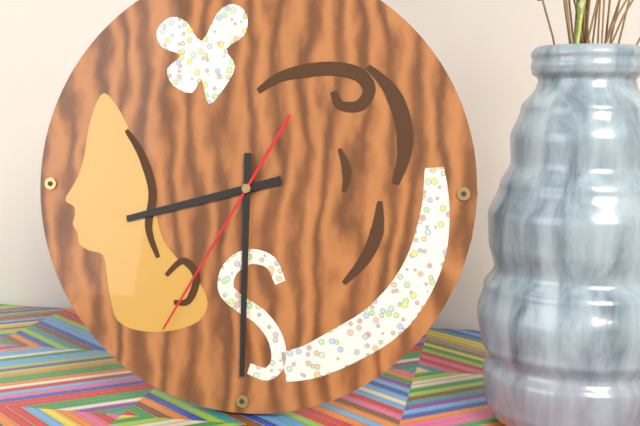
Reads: 8.30.35
